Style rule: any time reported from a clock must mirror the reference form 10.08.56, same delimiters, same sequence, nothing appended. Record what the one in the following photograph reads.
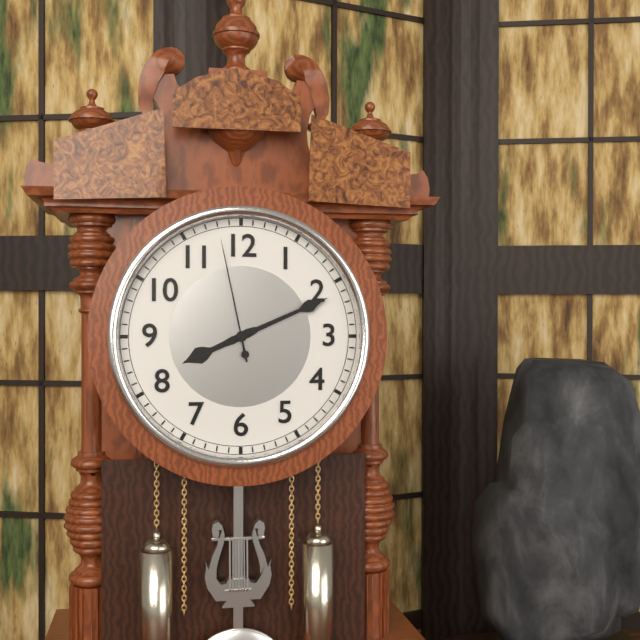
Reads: 8.11.58
